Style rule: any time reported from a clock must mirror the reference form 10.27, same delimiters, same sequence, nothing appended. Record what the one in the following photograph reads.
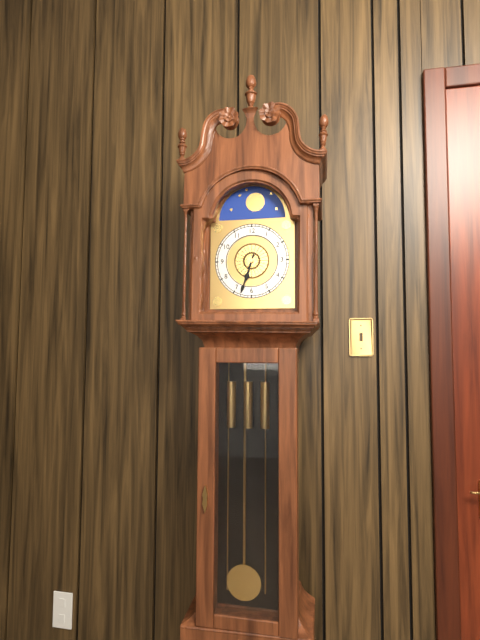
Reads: 6.33
